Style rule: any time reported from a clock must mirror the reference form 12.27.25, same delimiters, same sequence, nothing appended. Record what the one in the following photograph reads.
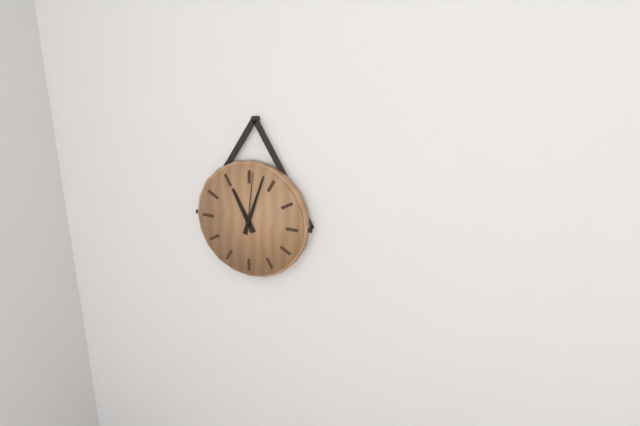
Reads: 11.03.01
